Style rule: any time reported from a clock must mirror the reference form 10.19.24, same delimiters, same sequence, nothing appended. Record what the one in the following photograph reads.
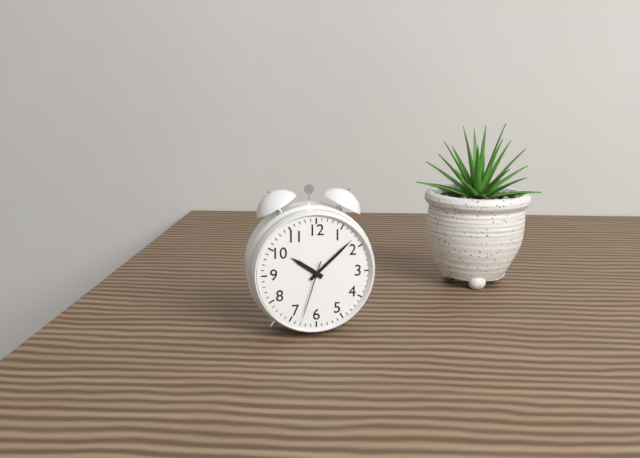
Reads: 10.08.33
